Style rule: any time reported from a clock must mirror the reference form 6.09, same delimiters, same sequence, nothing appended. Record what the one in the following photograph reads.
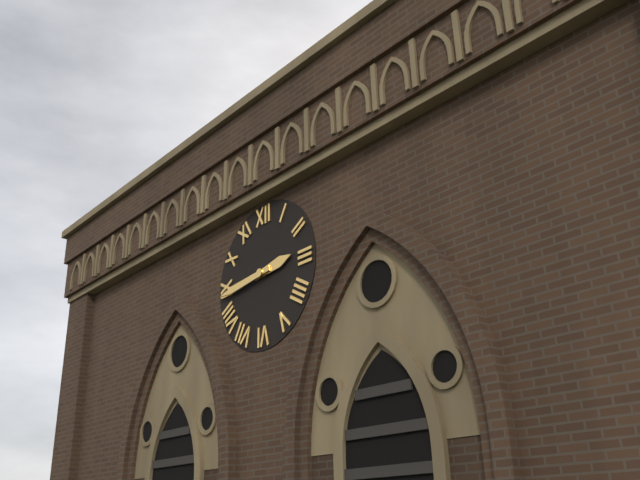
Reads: 2.44
